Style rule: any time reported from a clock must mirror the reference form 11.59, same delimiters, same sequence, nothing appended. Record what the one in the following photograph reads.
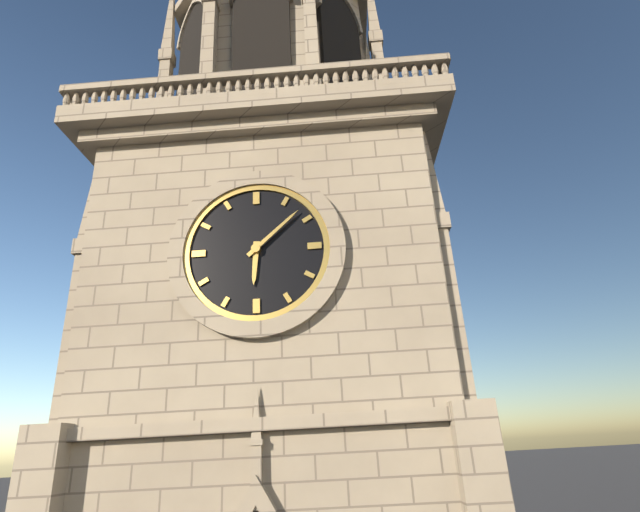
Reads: 6.08
